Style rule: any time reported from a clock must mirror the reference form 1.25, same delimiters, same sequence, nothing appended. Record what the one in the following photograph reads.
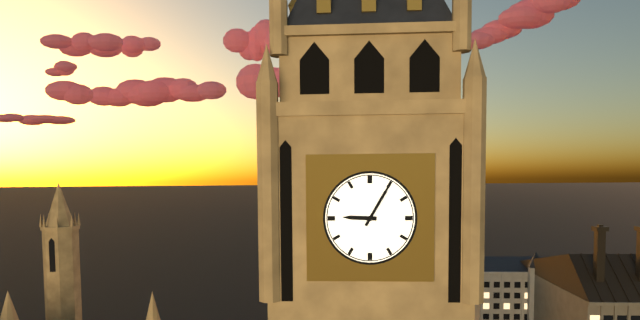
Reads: 9.05
